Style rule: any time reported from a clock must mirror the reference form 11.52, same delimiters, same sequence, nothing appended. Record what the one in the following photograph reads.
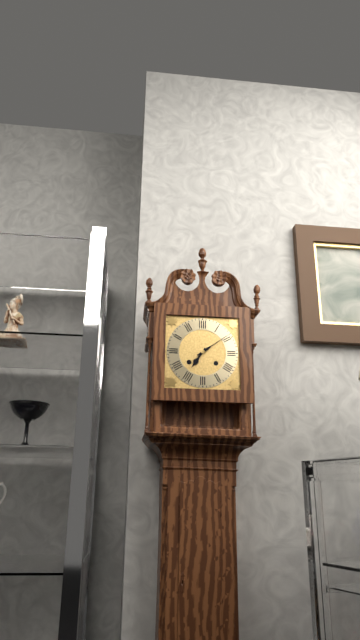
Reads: 7.09
